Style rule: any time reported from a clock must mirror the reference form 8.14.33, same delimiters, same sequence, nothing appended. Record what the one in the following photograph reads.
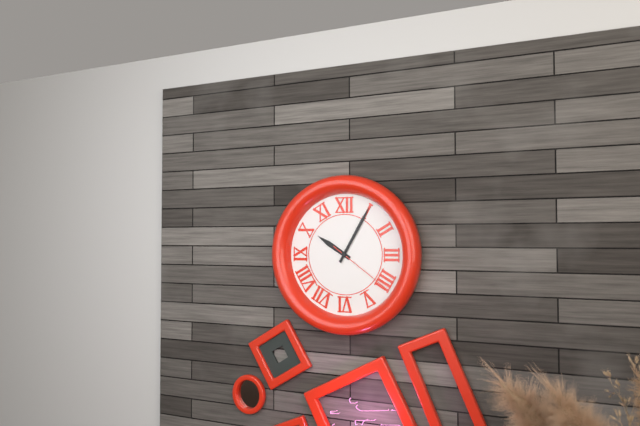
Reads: 10.05.21
